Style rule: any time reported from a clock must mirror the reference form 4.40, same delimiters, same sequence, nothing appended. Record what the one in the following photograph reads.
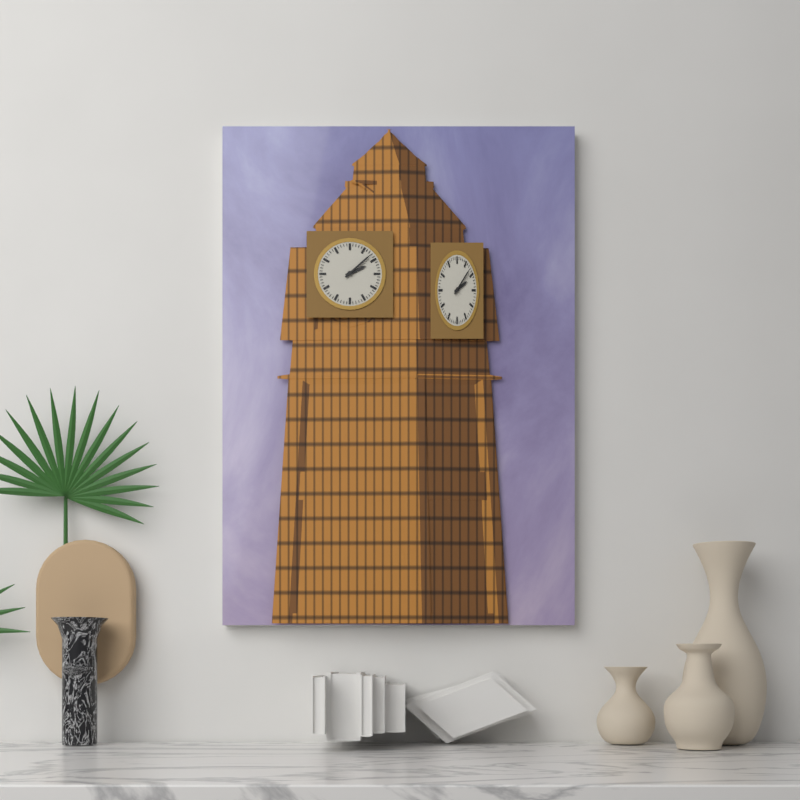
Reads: 2.08
